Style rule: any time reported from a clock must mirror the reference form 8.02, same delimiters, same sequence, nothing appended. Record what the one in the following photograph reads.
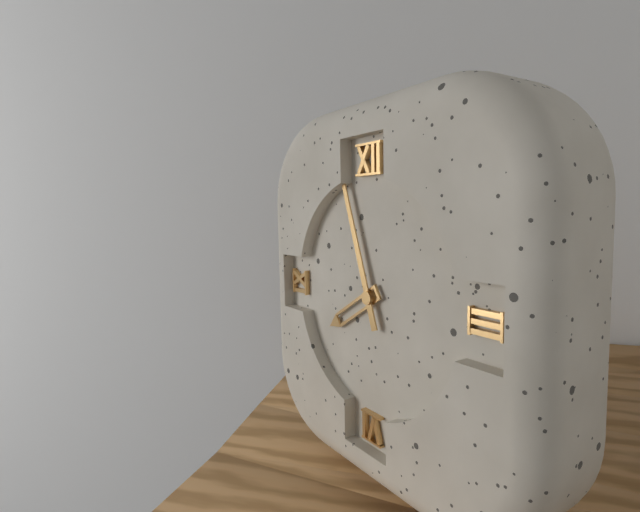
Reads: 7.57
